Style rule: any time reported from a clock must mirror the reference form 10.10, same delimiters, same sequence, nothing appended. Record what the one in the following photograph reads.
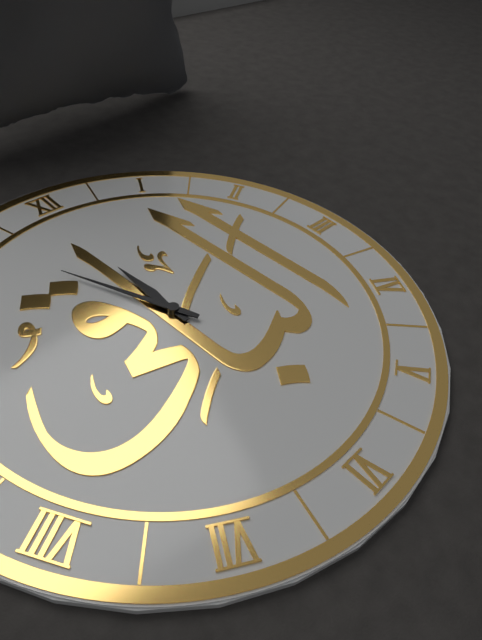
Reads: 11.56
